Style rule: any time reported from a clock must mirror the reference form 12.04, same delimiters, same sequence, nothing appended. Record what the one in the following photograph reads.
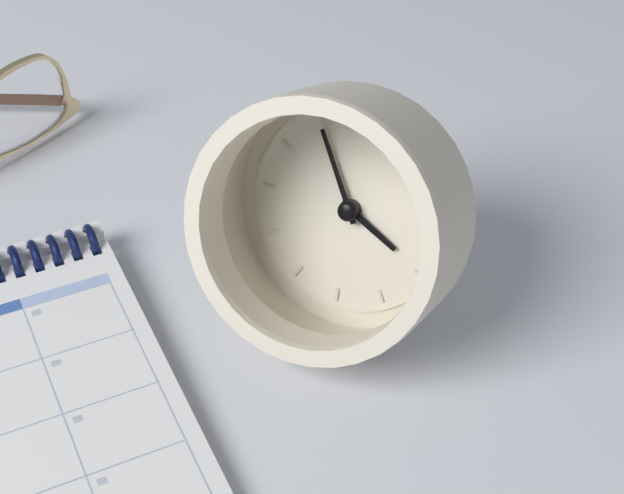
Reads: 3.55
